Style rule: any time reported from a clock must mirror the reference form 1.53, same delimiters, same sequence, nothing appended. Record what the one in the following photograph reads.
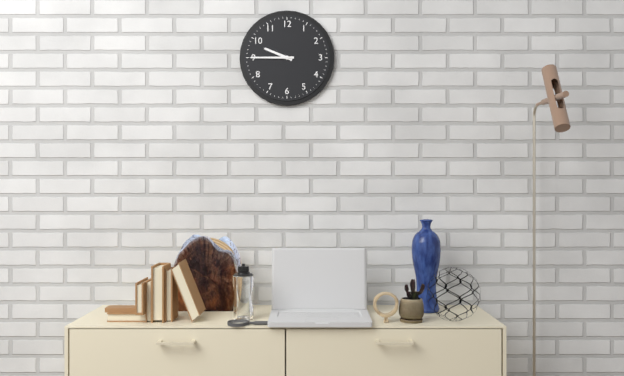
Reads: 9.45
